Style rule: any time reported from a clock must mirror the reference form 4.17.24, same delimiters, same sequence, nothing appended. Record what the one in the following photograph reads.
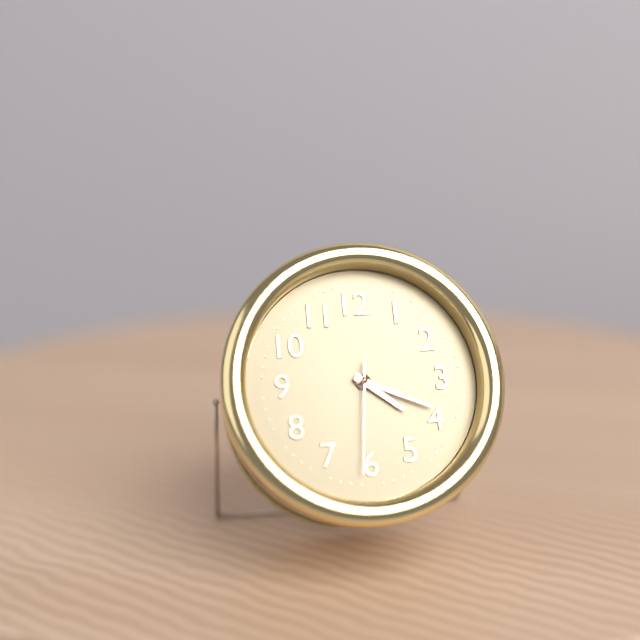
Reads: 4.19.31
